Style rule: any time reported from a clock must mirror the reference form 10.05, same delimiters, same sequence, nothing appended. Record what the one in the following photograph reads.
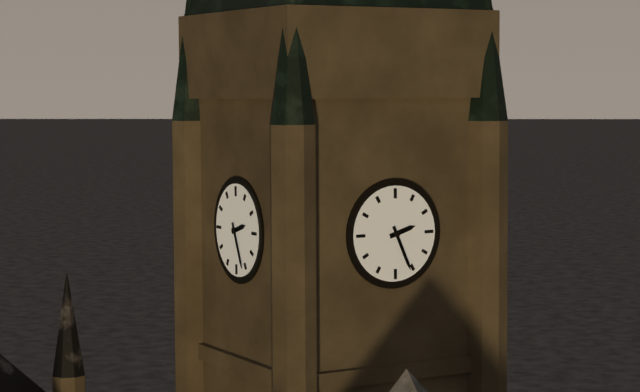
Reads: 2.26
